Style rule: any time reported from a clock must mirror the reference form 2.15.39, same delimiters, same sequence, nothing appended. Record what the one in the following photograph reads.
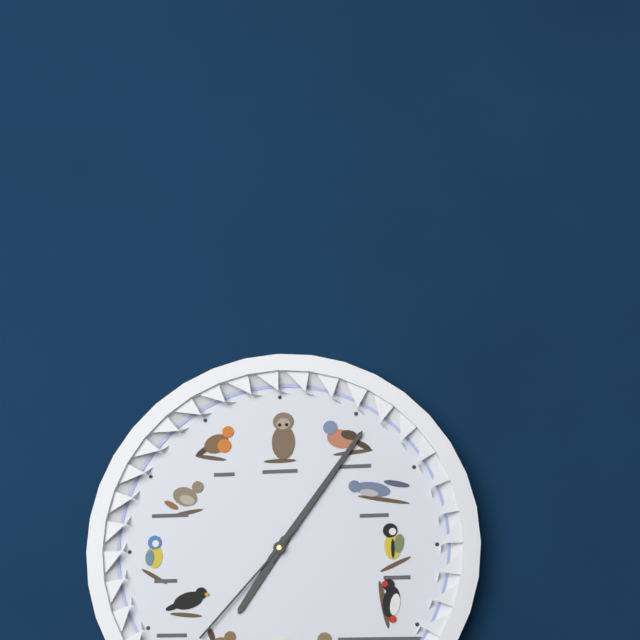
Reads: 7.06.37
